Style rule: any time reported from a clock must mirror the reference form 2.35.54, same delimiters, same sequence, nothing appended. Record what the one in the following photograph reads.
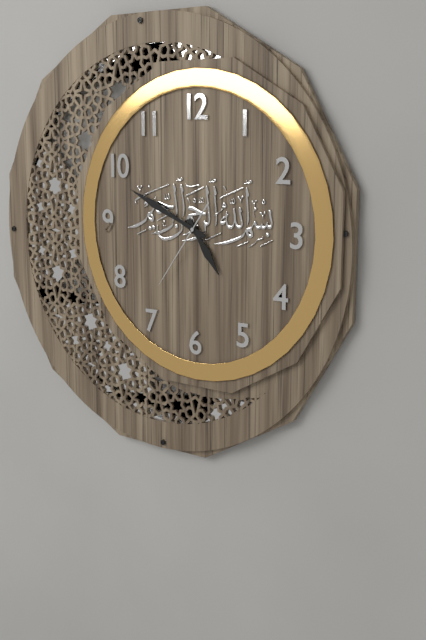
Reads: 4.49.36
